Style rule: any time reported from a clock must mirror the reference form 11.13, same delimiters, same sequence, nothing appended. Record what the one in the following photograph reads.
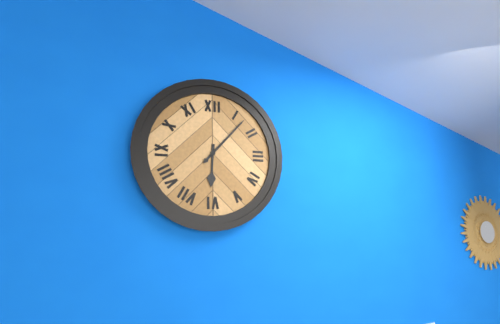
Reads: 6.07
